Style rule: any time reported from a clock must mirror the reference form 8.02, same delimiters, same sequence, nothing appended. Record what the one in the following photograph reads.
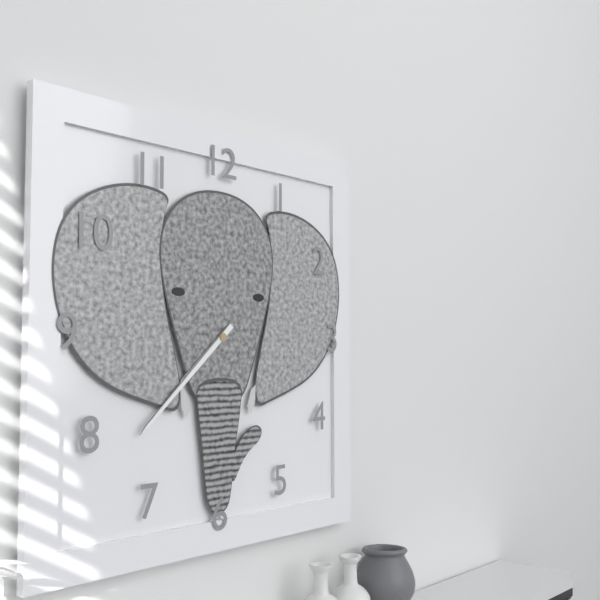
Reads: 7.38
